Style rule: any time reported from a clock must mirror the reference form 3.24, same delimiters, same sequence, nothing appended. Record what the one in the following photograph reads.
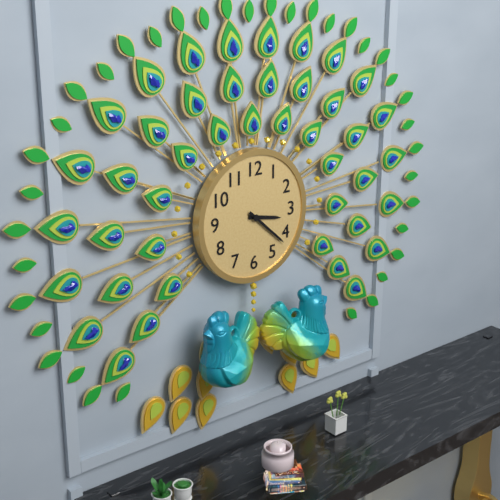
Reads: 3.22
